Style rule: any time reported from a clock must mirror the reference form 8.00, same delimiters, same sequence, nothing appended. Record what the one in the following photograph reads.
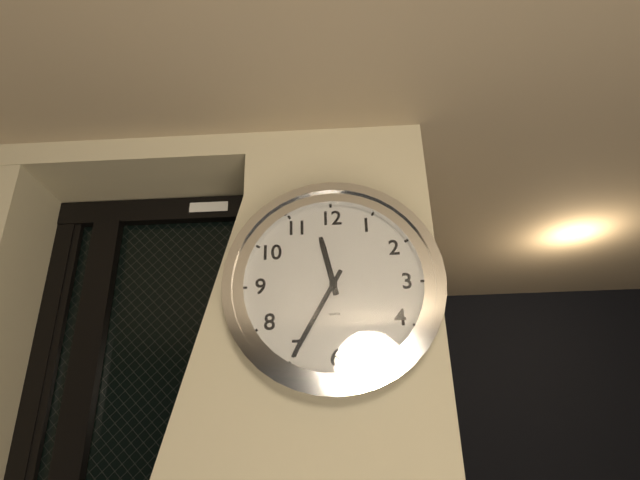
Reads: 11.35
